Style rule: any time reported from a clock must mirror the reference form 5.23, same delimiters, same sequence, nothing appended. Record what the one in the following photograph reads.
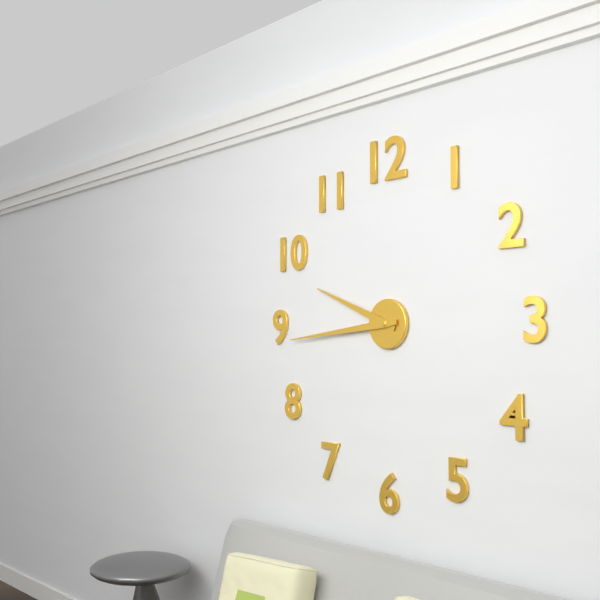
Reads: 9.44
